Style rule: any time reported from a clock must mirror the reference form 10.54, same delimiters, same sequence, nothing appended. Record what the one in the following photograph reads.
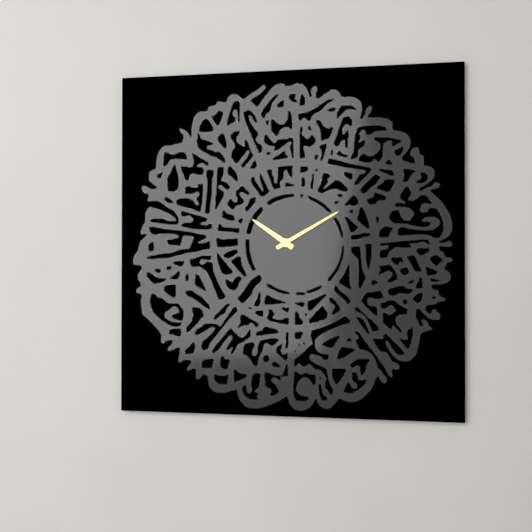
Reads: 10.10
